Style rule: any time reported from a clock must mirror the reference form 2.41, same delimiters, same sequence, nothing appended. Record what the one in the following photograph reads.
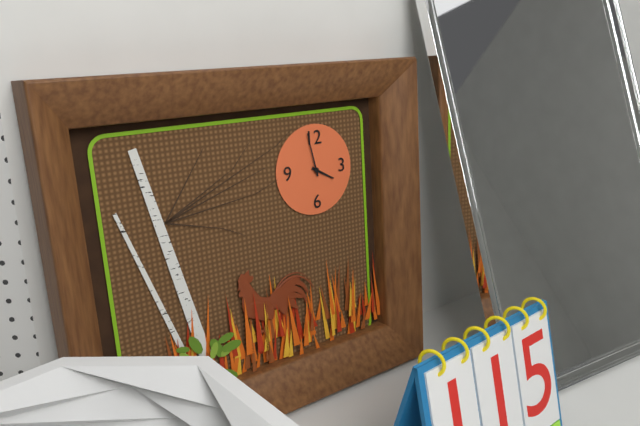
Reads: 3.58
